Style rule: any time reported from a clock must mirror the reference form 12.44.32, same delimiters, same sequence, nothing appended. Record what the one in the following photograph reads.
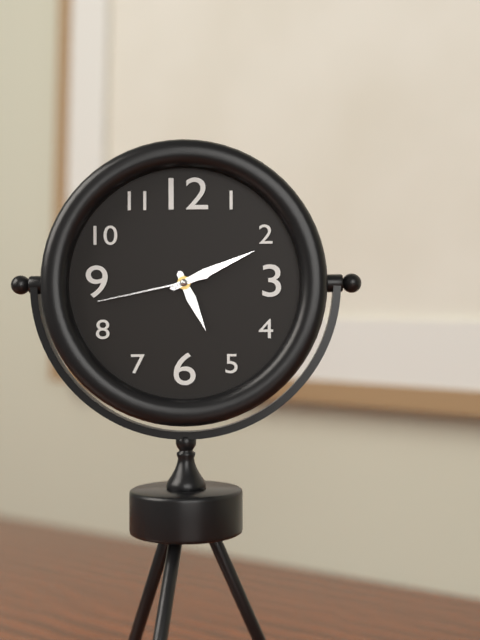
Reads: 5.11.43
